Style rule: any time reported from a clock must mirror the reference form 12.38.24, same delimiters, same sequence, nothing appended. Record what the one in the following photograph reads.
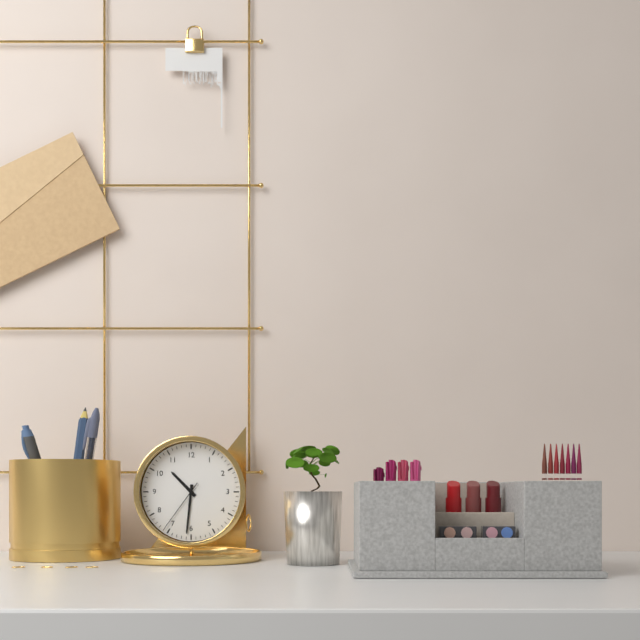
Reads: 10.31.36
